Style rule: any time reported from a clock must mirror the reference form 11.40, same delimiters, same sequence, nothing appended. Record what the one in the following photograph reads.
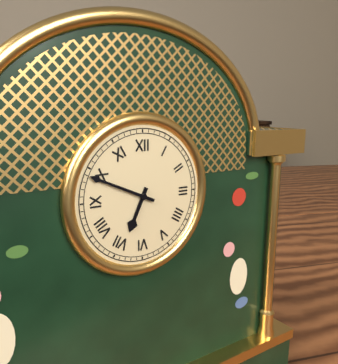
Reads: 6.49
